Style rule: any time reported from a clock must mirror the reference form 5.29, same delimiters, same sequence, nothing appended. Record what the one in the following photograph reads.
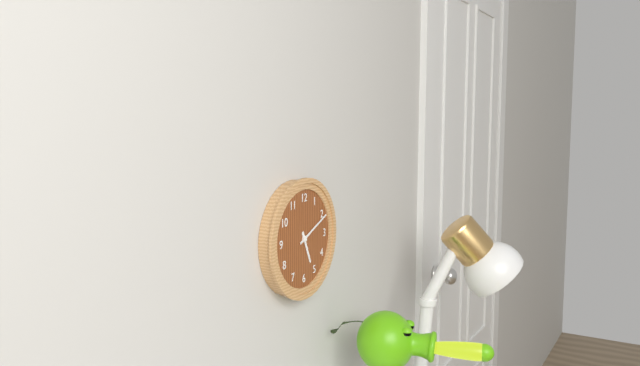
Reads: 5.11
